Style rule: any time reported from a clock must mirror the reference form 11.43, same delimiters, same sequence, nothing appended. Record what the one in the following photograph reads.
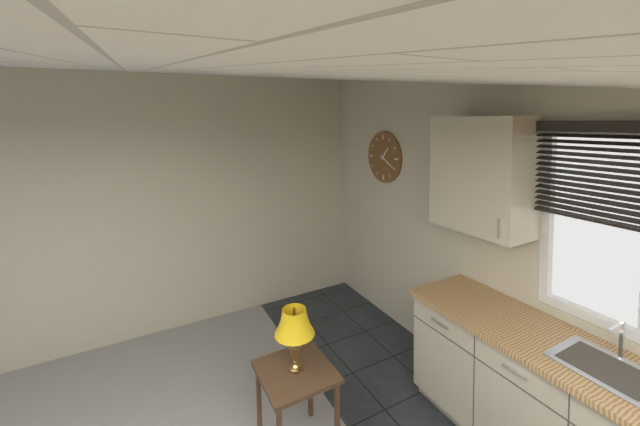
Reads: 1.20
